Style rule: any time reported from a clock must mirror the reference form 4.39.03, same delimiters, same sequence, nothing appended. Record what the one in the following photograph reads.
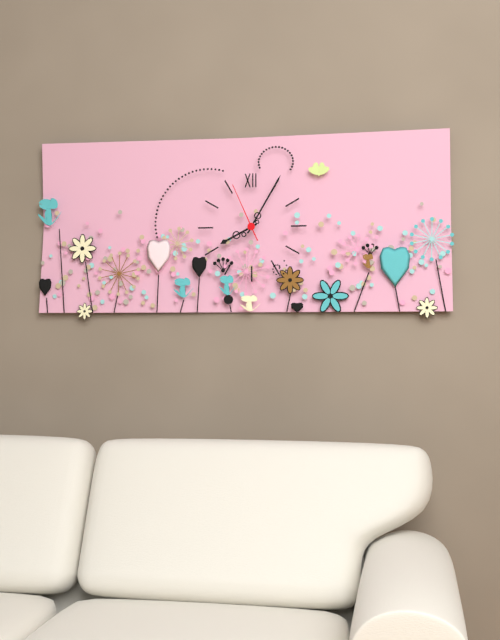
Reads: 8.05.56
